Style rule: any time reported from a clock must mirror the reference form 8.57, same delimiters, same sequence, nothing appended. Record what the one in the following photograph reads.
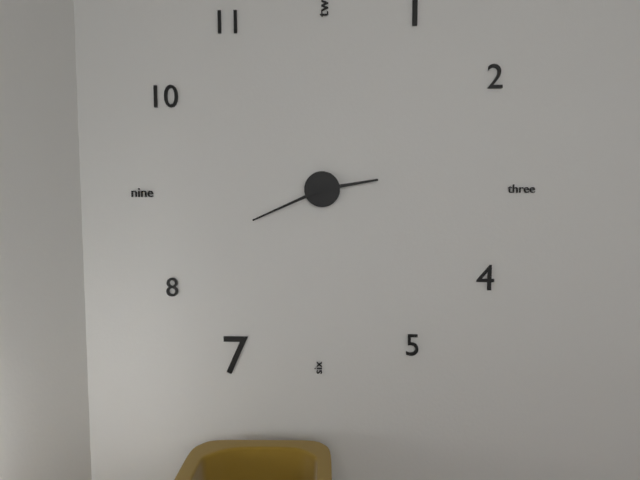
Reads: 2.41
